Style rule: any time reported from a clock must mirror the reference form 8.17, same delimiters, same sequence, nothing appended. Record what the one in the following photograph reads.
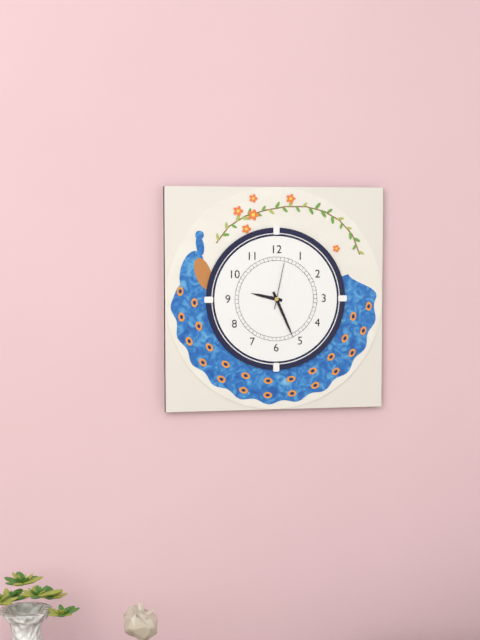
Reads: 9.26
